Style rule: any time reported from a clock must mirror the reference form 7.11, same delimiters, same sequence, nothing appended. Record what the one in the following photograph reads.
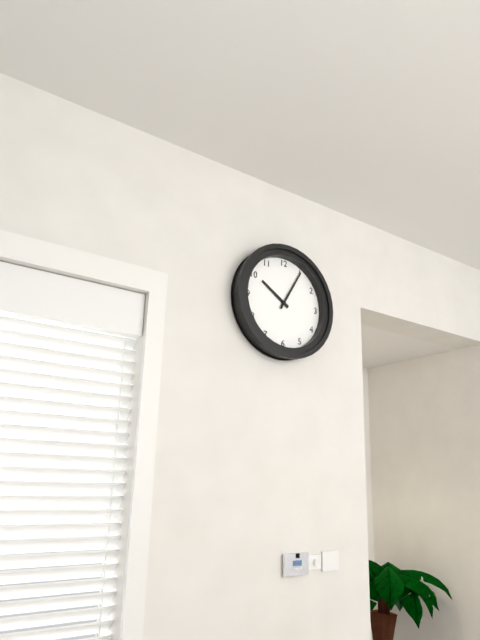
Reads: 10.05
